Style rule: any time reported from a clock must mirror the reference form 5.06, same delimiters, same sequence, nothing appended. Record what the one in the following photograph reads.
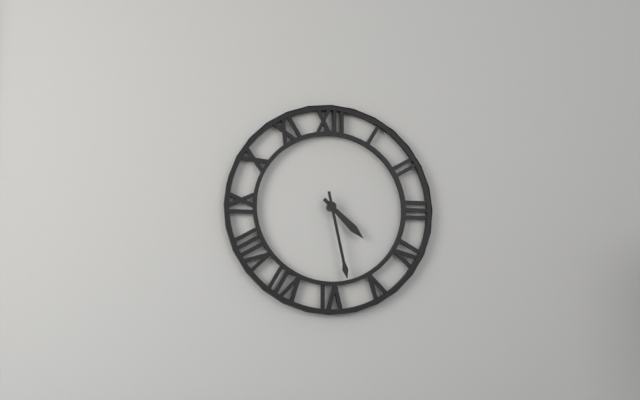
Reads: 4.28
